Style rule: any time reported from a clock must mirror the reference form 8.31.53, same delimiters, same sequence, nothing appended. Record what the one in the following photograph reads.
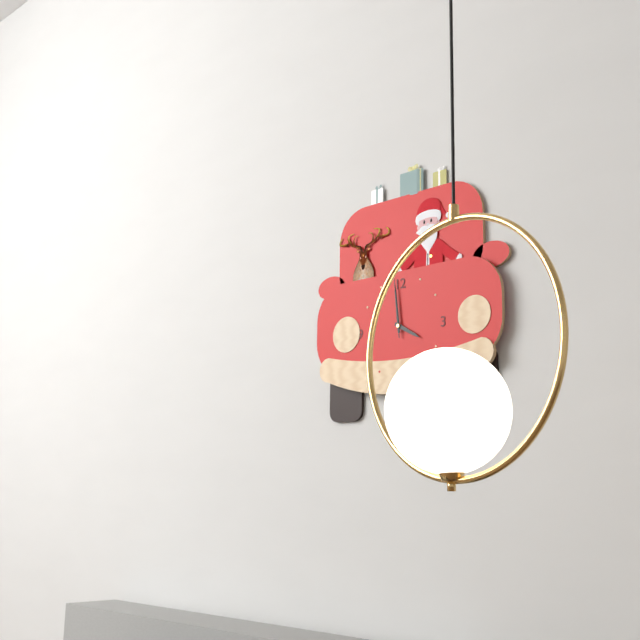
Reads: 3.59.59
